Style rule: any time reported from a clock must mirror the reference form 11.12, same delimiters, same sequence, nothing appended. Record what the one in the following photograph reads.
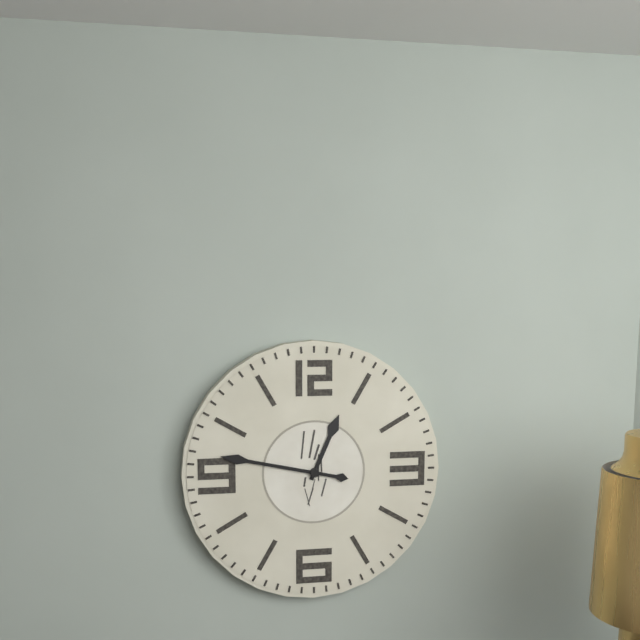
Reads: 12.47
